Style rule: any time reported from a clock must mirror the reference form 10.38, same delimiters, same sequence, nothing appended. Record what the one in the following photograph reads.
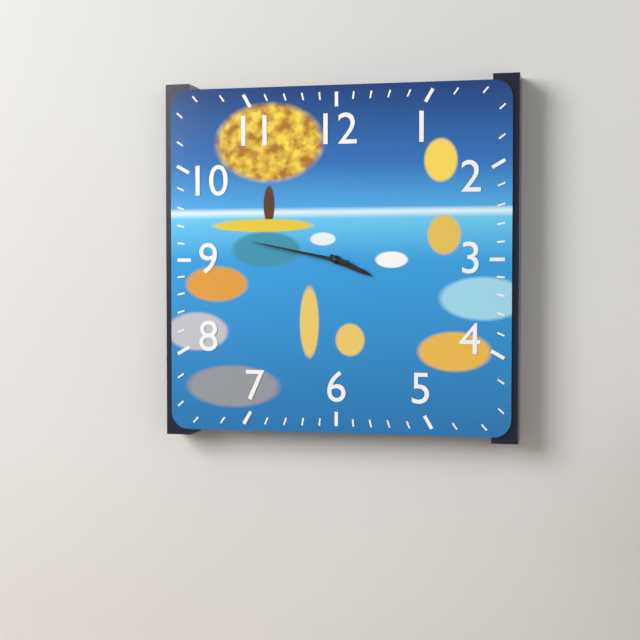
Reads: 3.47
